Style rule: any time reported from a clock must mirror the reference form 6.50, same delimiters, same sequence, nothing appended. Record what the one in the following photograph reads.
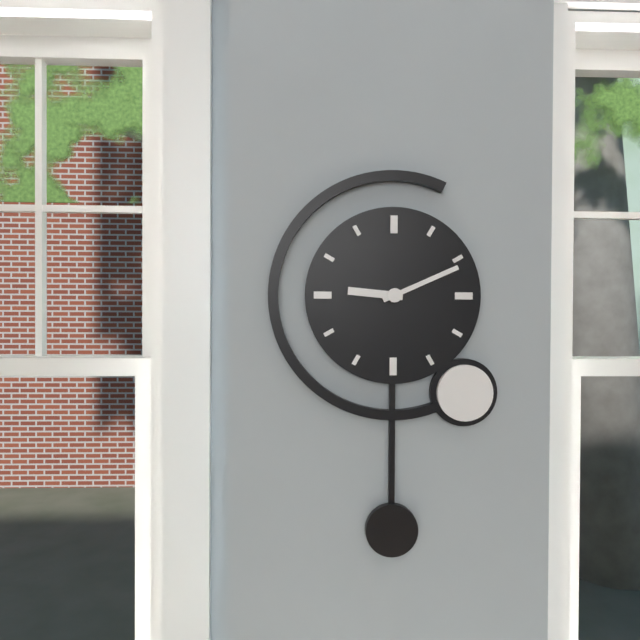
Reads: 9.11
